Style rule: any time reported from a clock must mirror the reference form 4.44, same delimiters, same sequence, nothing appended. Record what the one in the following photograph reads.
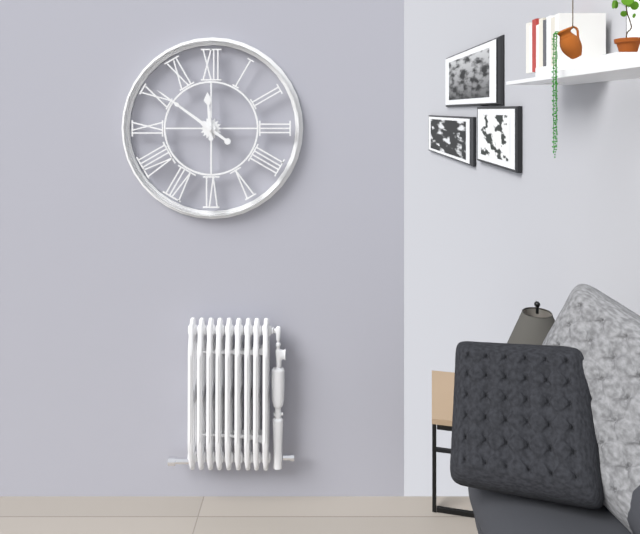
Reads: 11.51
